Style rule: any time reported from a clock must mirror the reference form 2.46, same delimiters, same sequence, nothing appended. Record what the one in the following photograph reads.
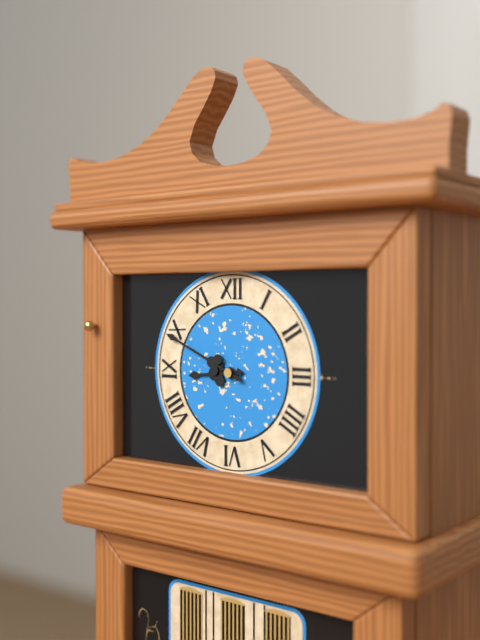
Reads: 8.49
